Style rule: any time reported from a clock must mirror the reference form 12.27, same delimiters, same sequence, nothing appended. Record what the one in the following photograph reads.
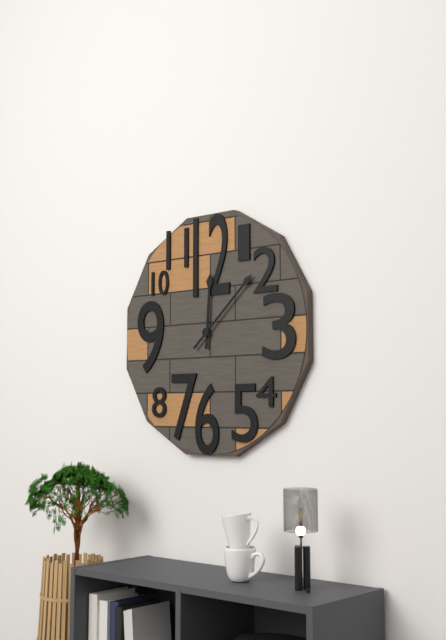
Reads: 12.08
